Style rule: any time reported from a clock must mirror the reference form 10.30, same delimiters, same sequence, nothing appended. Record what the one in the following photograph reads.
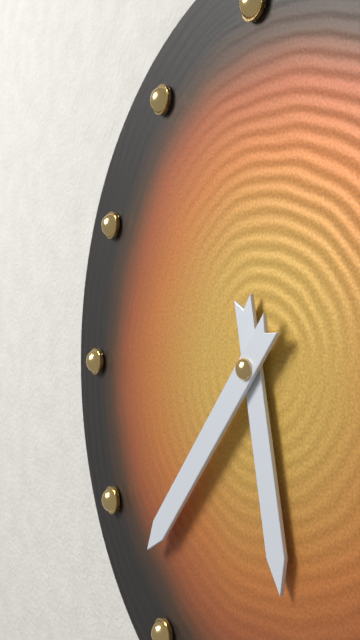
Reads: 5.37
